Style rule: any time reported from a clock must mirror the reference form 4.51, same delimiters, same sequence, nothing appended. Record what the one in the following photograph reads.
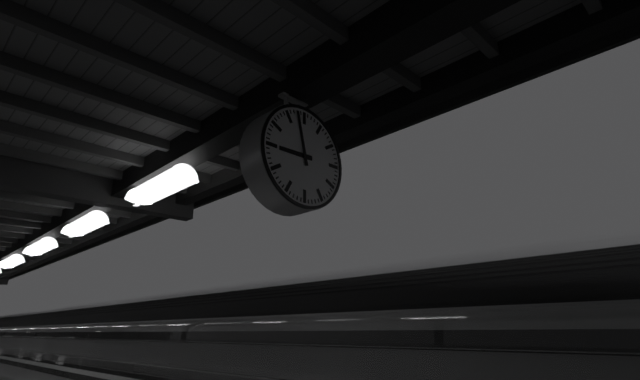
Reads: 8.58
